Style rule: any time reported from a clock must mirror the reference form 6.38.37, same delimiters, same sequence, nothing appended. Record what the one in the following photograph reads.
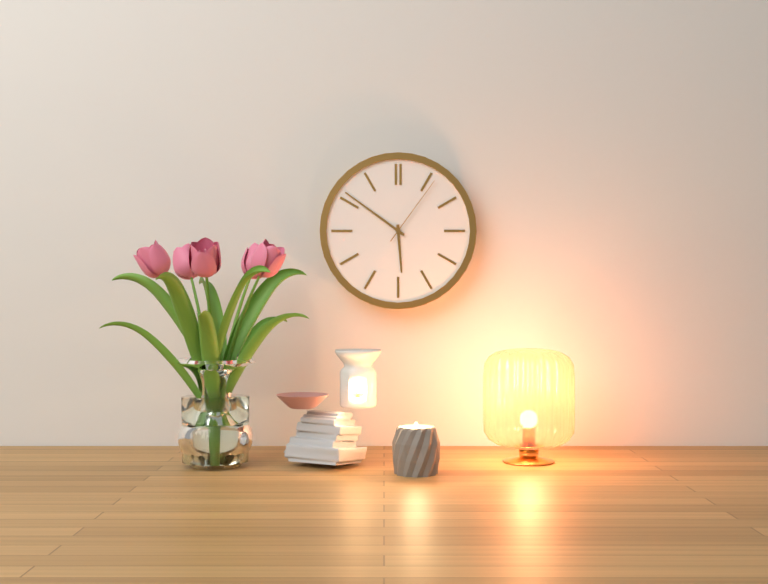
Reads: 5.51.06
